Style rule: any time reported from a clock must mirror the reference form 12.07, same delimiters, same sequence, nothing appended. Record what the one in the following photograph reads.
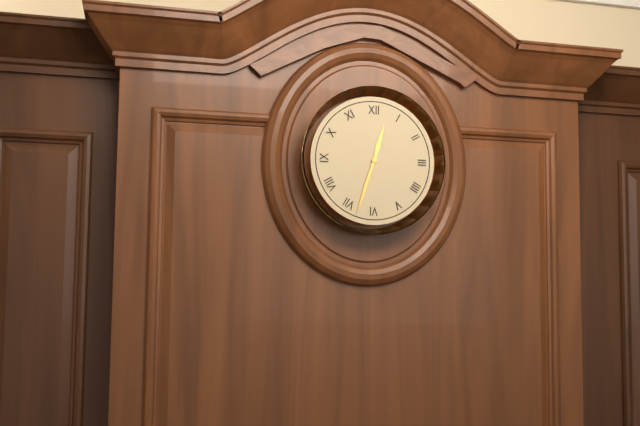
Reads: 12.33
